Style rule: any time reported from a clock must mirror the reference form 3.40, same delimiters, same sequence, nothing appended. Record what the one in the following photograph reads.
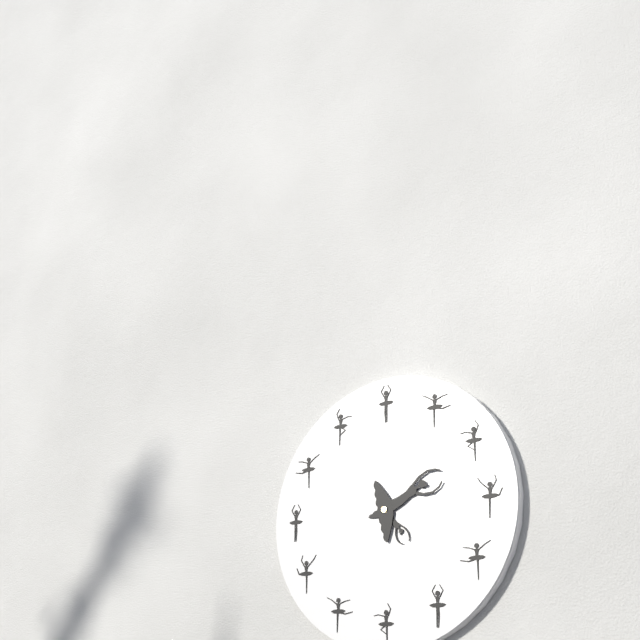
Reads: 5.13
